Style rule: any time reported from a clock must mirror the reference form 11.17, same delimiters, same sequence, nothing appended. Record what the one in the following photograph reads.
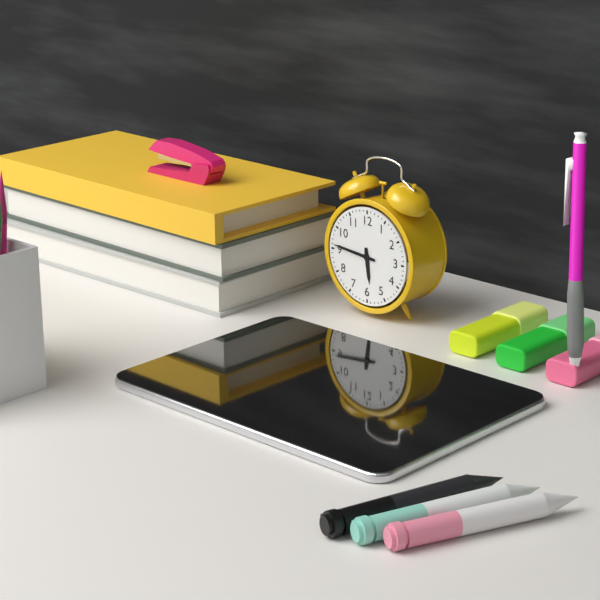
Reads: 5.46
